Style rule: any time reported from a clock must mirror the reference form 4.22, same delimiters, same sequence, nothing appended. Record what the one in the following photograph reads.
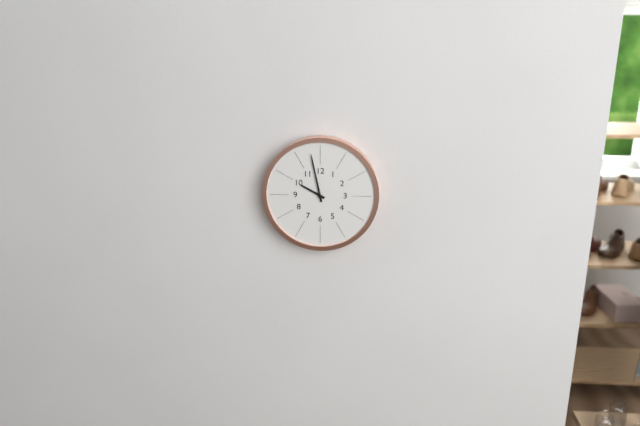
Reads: 9.58
